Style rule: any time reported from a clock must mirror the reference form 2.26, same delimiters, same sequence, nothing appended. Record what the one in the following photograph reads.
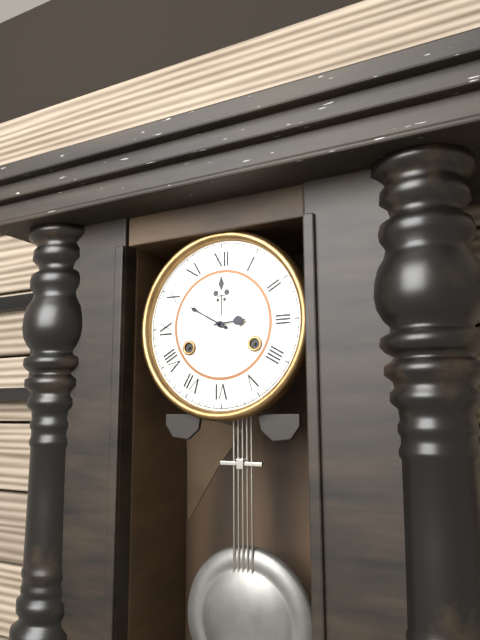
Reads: 2.50
